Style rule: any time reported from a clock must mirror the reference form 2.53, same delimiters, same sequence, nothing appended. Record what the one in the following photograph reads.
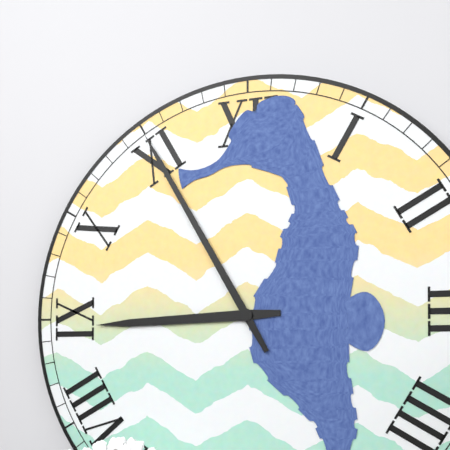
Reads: 8.55
